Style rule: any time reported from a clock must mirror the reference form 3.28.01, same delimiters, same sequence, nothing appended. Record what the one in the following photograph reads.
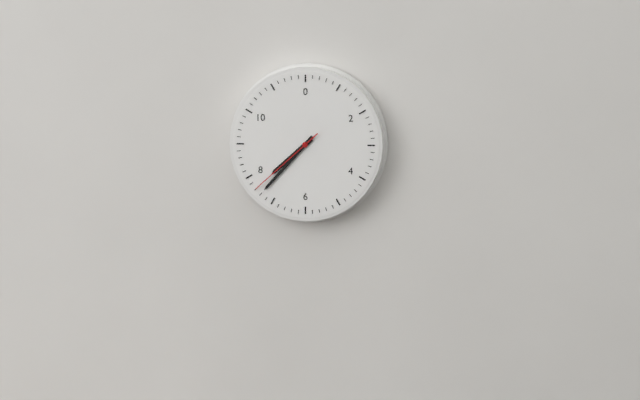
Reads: 7.37.38
